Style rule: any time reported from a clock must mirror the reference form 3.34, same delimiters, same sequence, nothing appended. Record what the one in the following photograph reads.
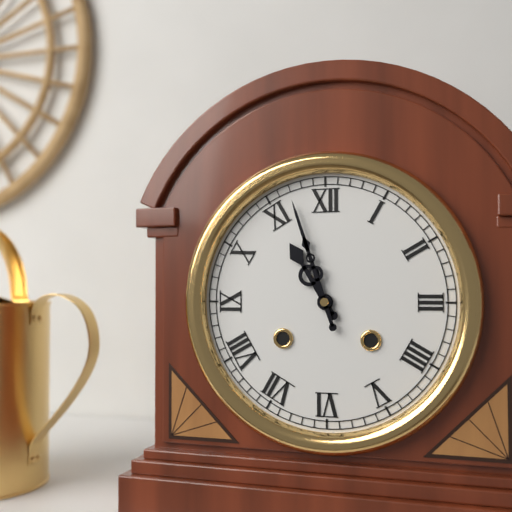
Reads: 10.57
